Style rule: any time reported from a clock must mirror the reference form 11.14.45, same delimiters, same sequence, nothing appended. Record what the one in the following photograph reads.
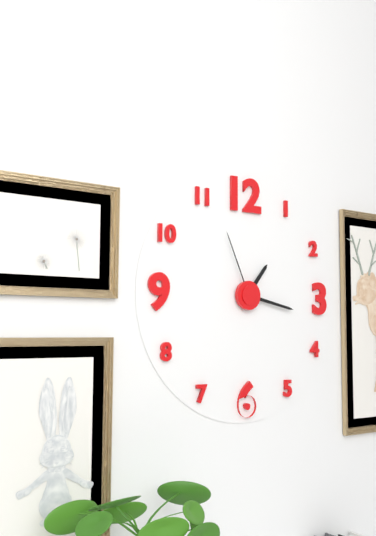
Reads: 1.17.56
